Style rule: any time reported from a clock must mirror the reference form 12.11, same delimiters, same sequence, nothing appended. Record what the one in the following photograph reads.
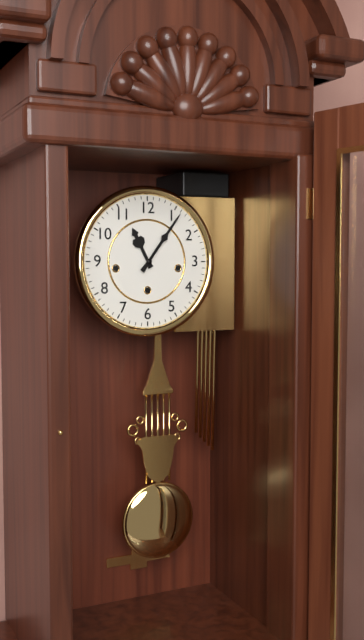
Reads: 11.06
